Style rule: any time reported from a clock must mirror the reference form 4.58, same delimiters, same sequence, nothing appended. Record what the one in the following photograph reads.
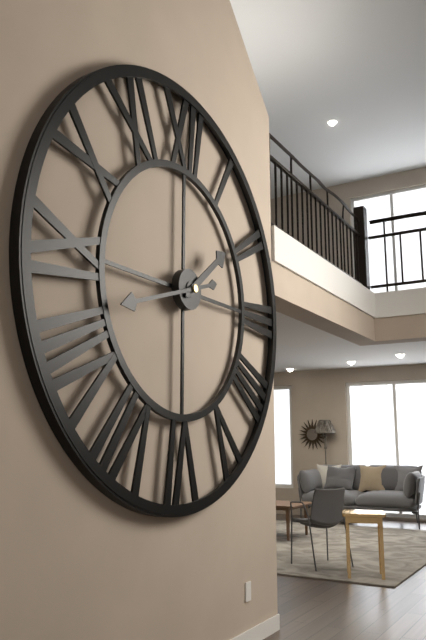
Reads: 1.42
